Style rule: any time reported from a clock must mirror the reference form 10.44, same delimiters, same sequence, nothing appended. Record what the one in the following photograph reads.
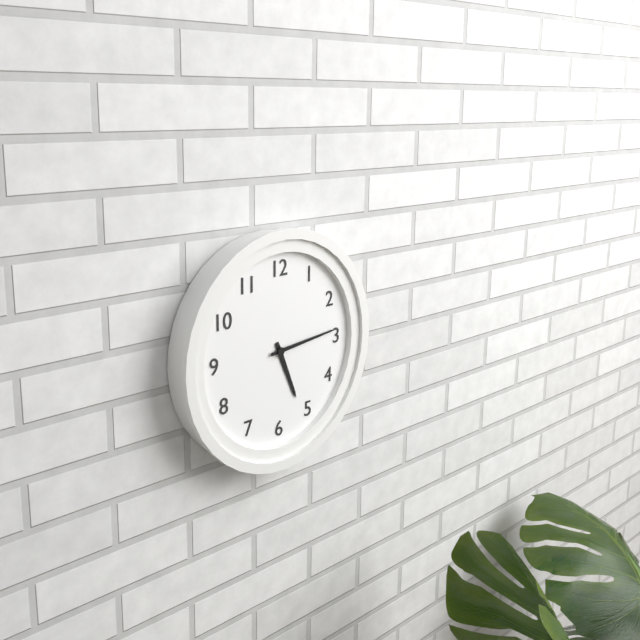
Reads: 5.14
